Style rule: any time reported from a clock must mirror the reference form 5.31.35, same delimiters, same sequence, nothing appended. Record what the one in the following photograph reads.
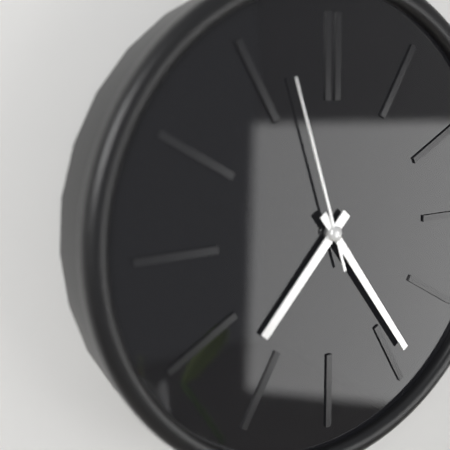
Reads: 7.24.57
